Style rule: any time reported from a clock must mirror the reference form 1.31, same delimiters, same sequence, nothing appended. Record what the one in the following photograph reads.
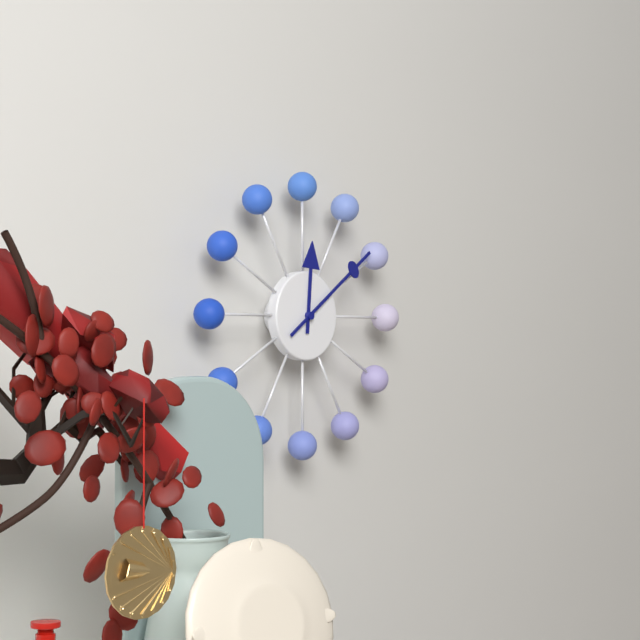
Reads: 12.09
